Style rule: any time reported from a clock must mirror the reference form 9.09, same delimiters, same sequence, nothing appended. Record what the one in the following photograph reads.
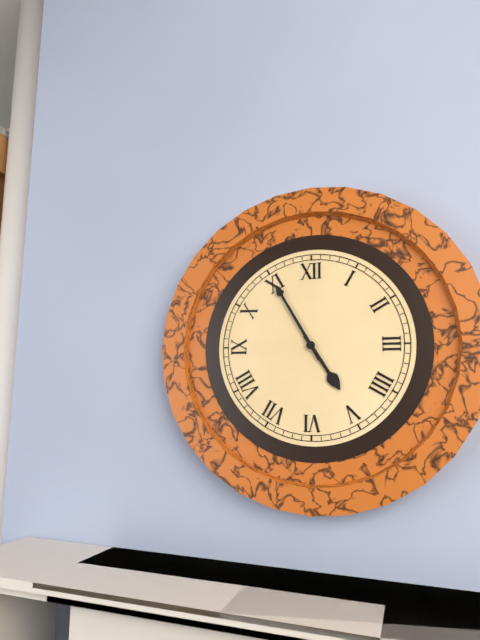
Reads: 4.55
